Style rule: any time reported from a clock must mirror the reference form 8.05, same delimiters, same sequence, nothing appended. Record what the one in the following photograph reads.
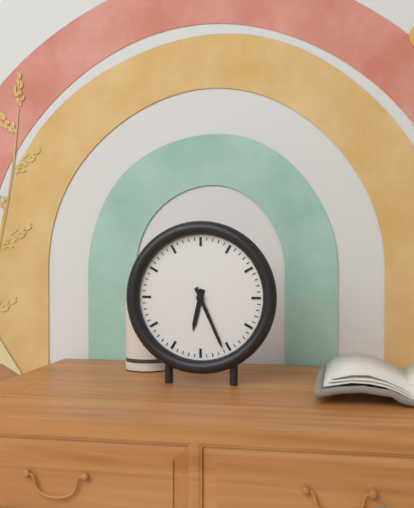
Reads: 6.26
